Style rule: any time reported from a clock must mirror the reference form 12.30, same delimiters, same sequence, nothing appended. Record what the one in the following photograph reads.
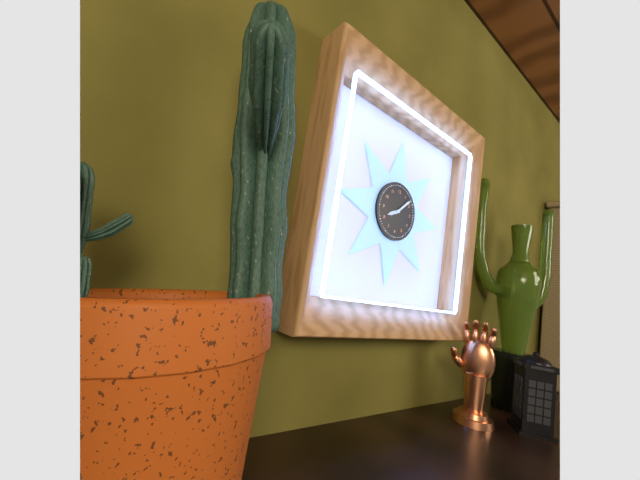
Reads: 8.08
